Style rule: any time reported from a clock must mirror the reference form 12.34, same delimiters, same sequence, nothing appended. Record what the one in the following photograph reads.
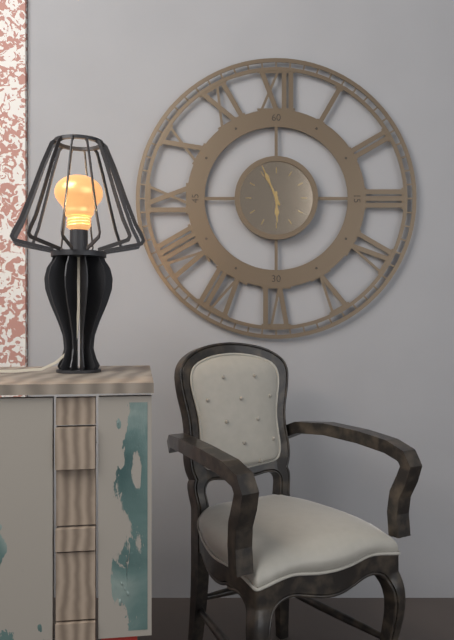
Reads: 5.56
